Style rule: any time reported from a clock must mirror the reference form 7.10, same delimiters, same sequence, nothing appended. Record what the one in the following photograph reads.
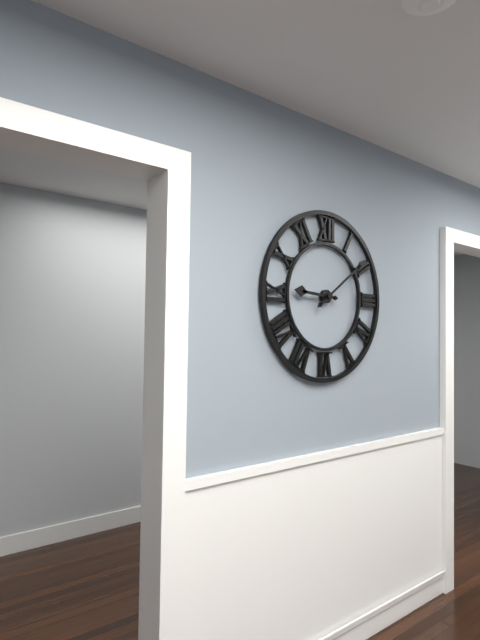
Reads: 9.09
